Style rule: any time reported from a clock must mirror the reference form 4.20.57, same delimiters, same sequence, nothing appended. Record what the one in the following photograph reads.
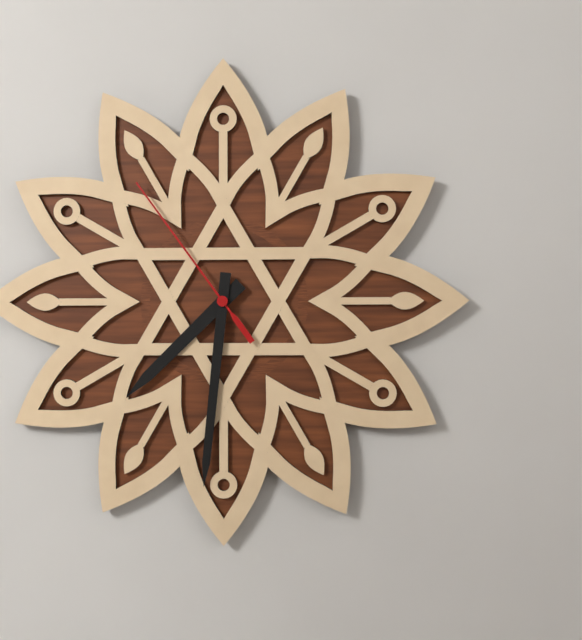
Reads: 7.31.54
